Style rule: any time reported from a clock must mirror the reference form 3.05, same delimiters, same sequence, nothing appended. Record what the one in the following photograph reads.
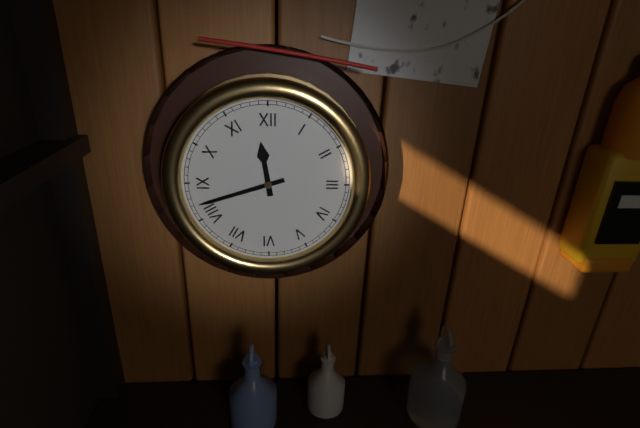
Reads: 11.42
